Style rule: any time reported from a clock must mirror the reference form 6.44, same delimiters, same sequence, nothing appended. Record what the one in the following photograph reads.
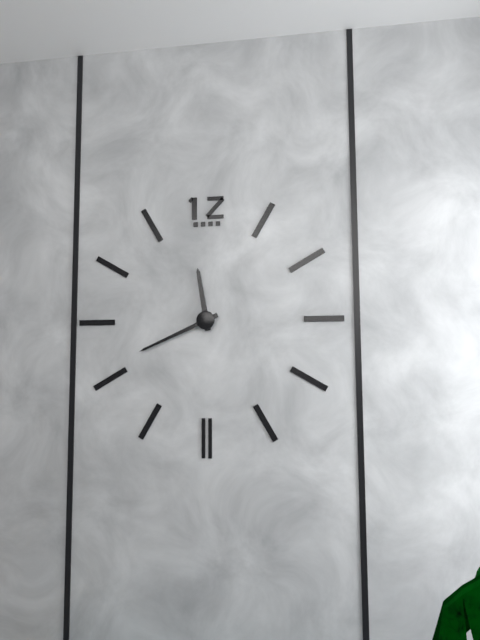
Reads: 11.41
